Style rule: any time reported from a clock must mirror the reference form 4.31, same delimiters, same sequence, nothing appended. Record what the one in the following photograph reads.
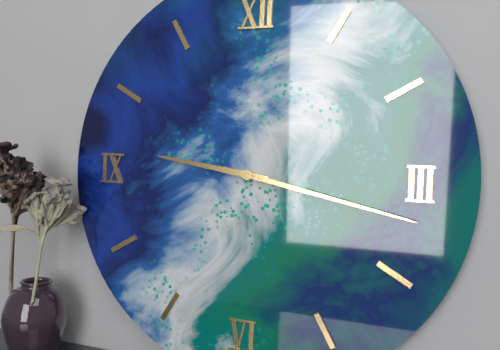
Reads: 9.17
